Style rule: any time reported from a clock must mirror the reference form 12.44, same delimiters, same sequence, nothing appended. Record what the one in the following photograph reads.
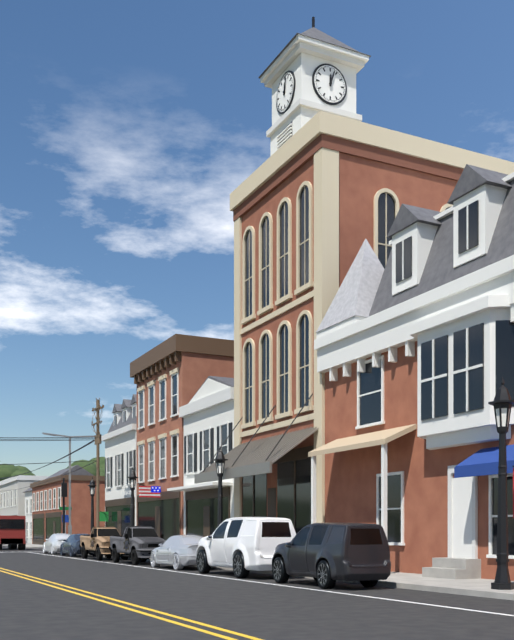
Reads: 12.03
